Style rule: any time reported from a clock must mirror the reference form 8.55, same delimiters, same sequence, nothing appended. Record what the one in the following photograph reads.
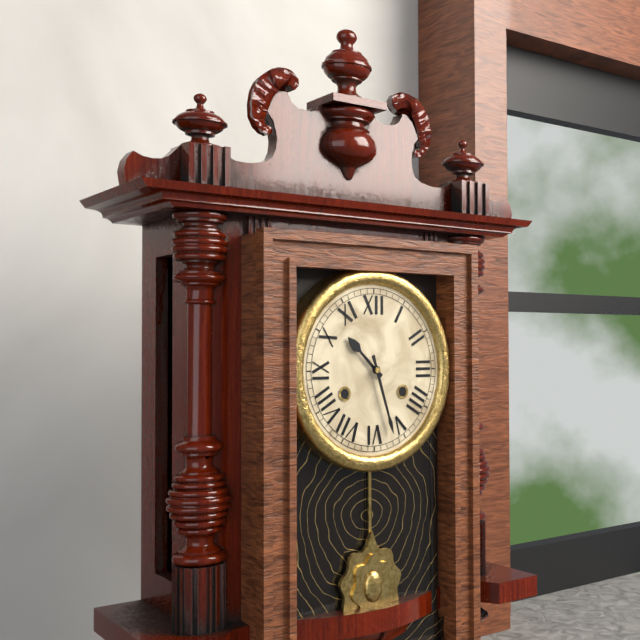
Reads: 10.27
